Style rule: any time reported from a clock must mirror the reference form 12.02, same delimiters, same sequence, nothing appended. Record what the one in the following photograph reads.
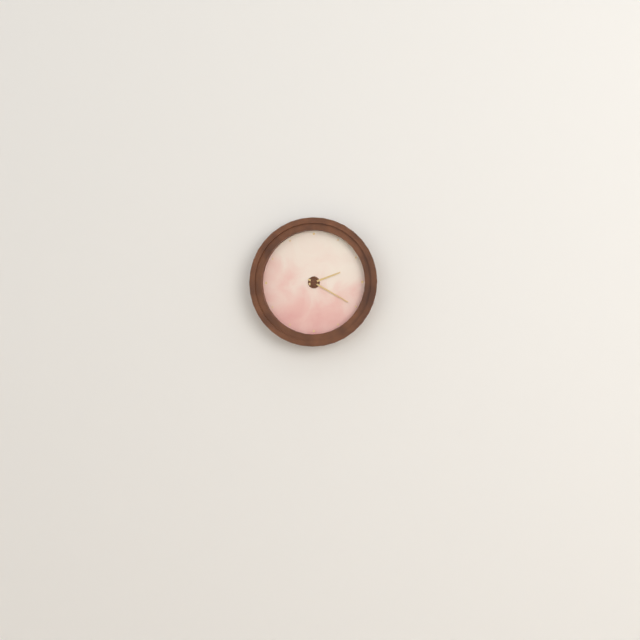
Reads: 2.20
